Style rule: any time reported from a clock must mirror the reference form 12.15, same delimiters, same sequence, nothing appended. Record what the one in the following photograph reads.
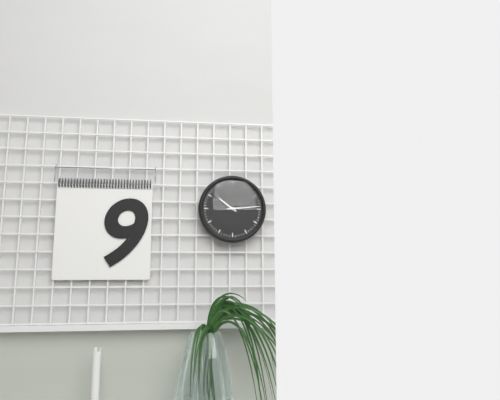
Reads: 10.14
